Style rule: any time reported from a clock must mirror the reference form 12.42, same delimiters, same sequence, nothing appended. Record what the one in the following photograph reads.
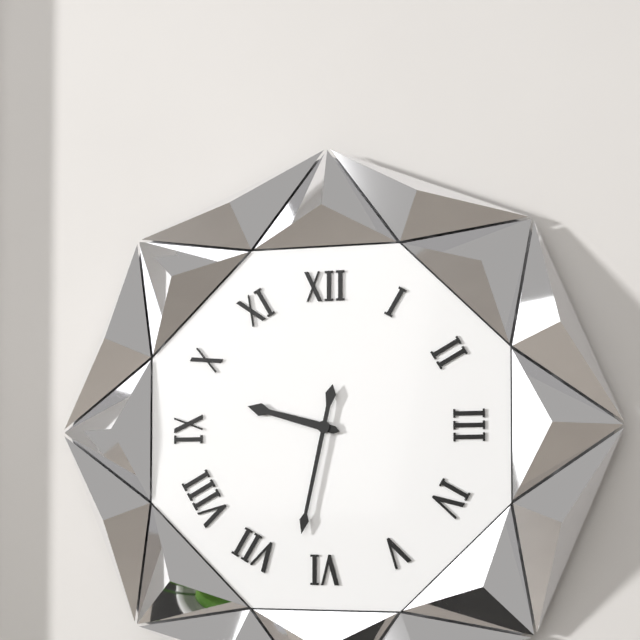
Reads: 9.32
